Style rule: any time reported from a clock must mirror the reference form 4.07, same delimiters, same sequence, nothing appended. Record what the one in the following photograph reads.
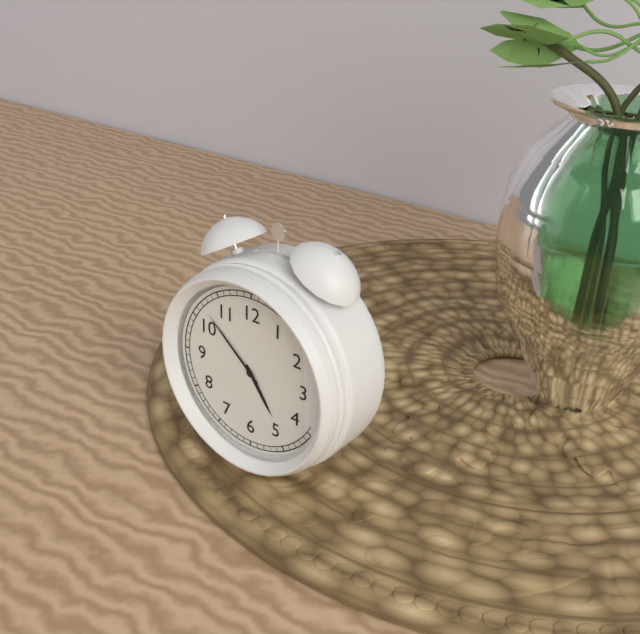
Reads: 4.52
